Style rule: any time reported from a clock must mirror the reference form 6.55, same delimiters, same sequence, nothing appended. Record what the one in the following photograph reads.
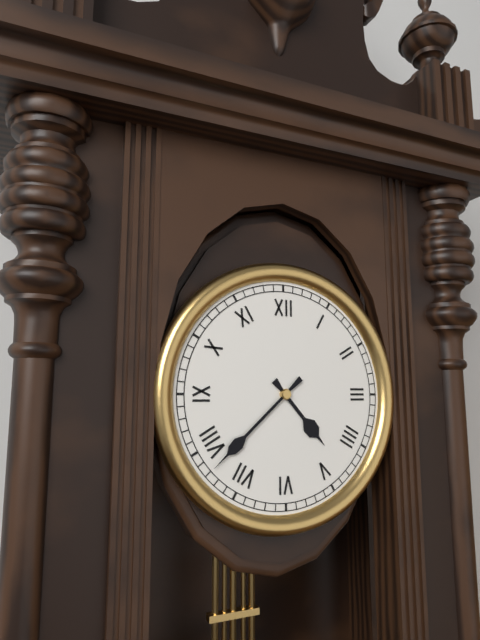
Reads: 4.38
